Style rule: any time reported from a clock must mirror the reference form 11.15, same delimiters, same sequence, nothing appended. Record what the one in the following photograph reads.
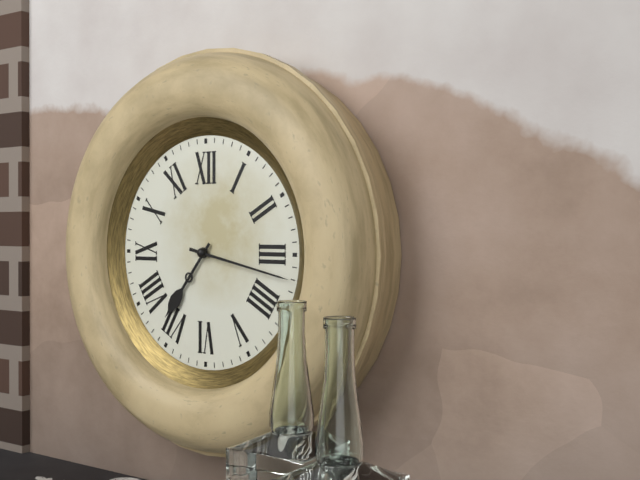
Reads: 7.17
